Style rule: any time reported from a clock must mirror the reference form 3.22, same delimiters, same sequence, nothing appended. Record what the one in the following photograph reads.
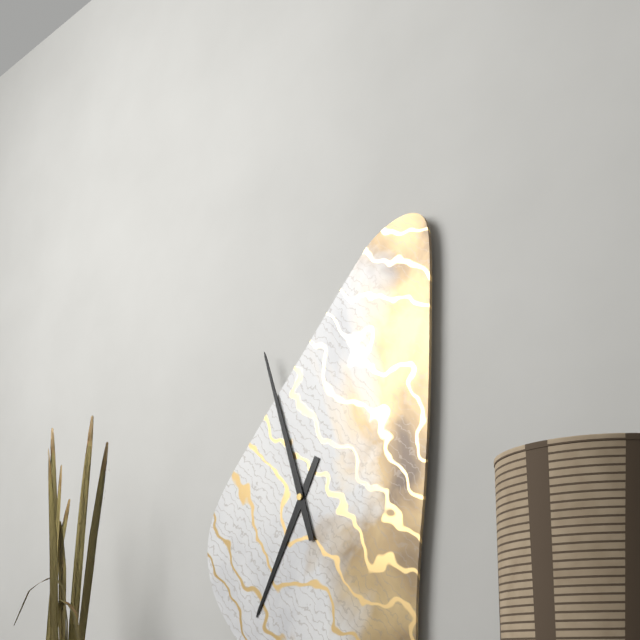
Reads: 6.57
